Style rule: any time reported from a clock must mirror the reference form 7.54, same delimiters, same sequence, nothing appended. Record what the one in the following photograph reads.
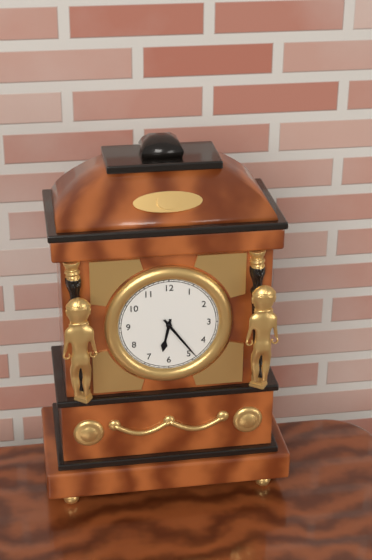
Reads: 6.24
